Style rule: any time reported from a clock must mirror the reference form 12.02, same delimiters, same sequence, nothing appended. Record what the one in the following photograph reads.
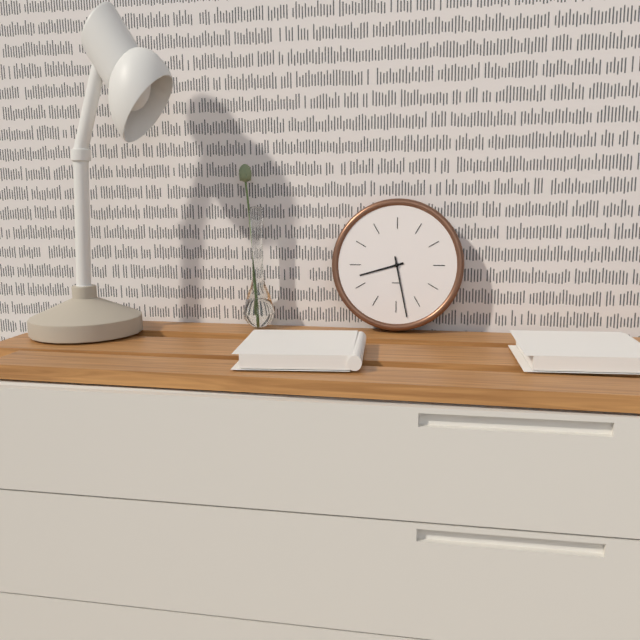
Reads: 8.28
